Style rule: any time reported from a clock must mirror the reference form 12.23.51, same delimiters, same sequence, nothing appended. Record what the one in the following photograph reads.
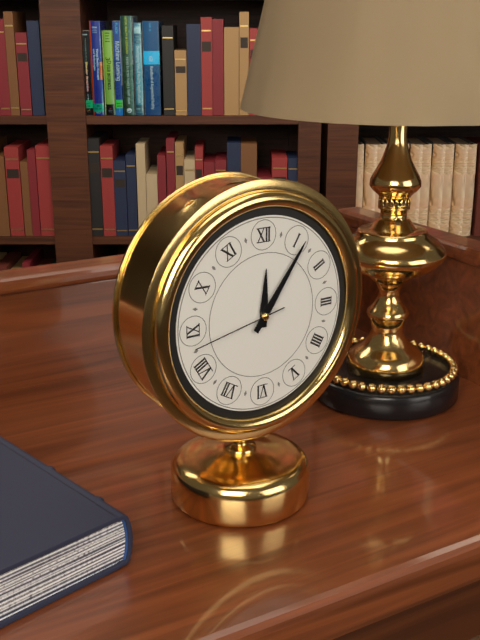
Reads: 12.06.43
